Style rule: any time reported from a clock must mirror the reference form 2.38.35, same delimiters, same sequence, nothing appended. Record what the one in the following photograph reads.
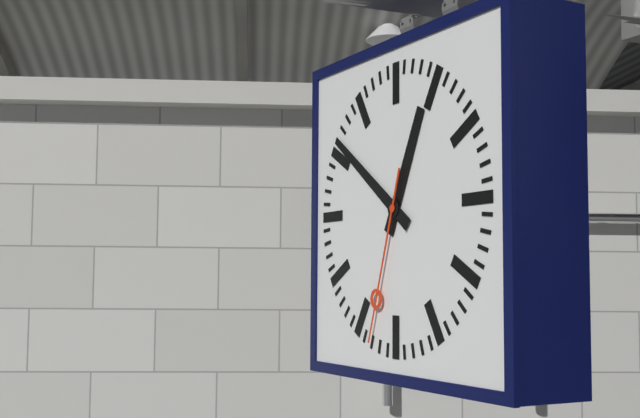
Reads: 12.51.33
